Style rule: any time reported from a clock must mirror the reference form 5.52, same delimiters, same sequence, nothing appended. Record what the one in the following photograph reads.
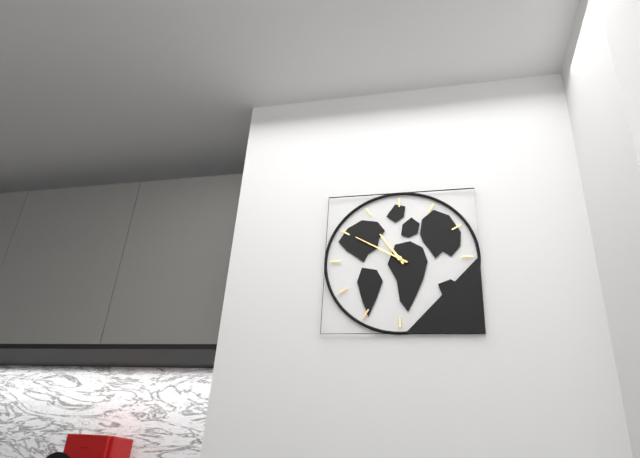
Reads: 10.50
